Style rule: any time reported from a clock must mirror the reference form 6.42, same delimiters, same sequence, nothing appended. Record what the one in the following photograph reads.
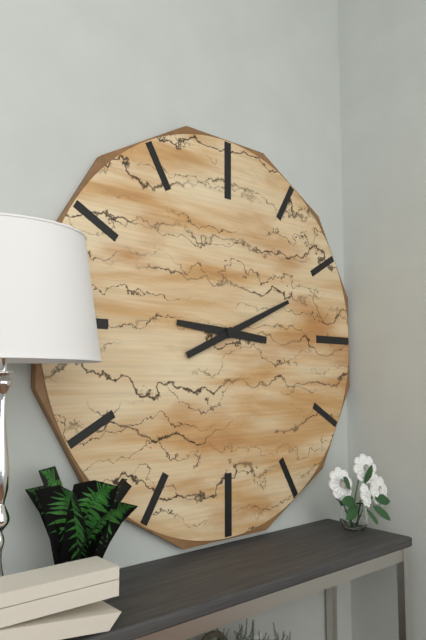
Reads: 9.11
